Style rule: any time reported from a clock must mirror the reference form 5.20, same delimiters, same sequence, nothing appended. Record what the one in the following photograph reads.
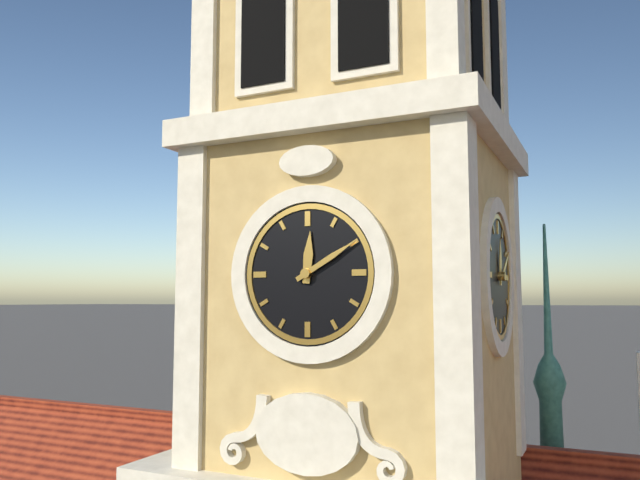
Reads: 12.10
